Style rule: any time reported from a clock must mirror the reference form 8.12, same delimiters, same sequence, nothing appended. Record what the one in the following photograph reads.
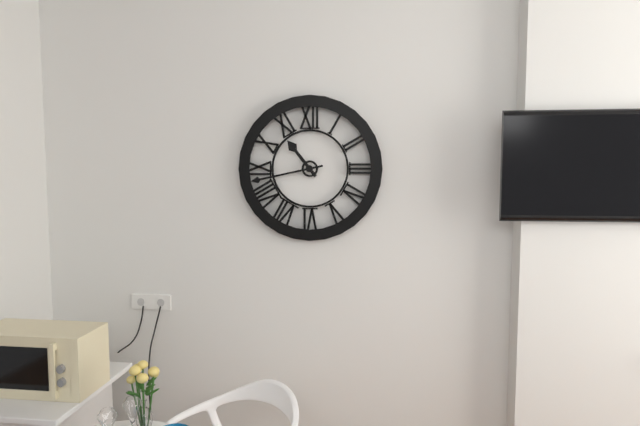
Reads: 10.43
